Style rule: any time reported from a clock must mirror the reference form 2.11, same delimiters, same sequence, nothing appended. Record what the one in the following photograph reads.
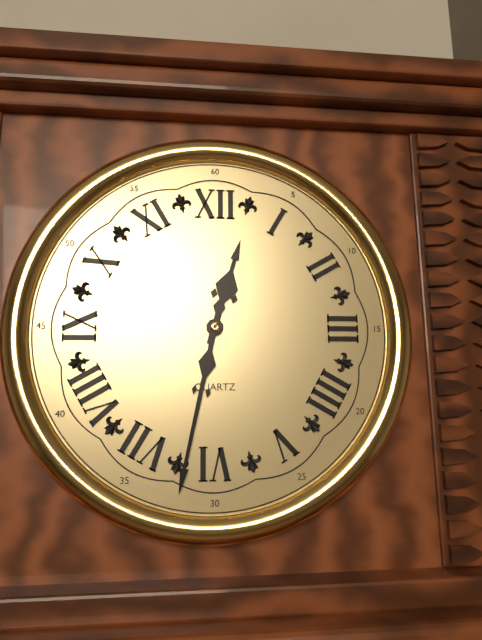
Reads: 12.32
